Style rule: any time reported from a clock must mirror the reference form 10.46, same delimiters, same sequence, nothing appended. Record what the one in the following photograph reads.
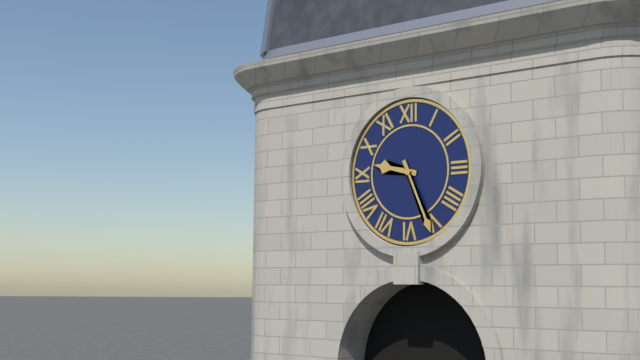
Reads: 9.26
